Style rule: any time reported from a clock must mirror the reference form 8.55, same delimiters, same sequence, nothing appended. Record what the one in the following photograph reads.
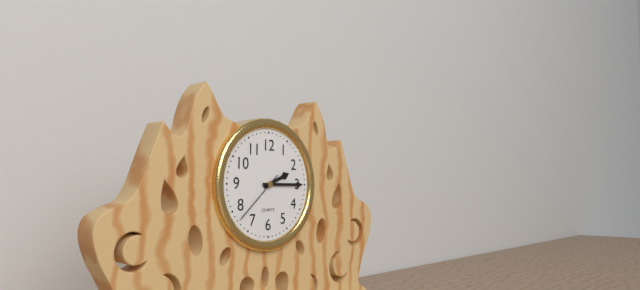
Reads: 2.15
